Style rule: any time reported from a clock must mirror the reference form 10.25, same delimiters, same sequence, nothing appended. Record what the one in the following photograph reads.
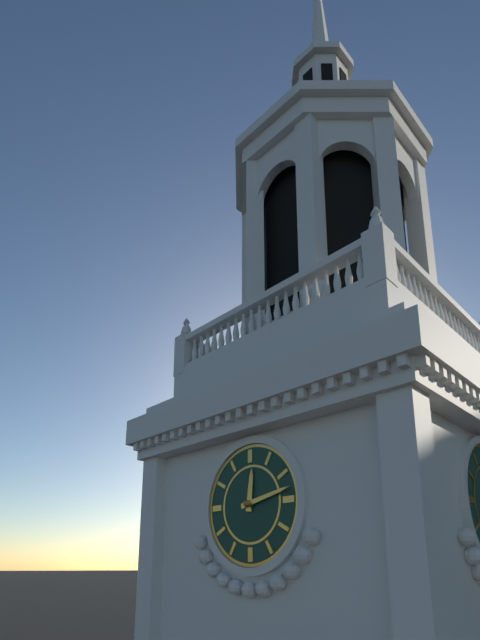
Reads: 12.13
